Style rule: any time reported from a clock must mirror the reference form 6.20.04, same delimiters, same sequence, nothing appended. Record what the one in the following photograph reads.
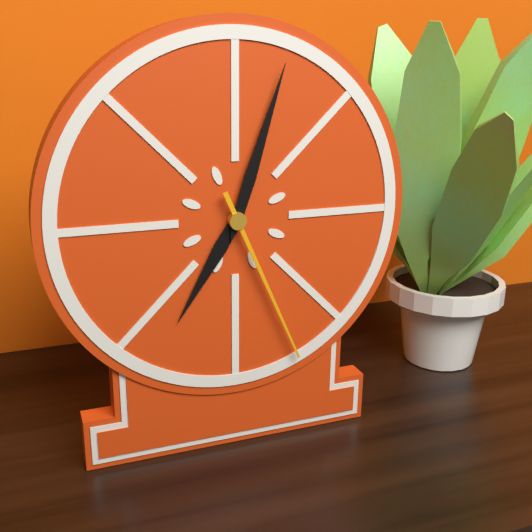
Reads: 7.03.26
